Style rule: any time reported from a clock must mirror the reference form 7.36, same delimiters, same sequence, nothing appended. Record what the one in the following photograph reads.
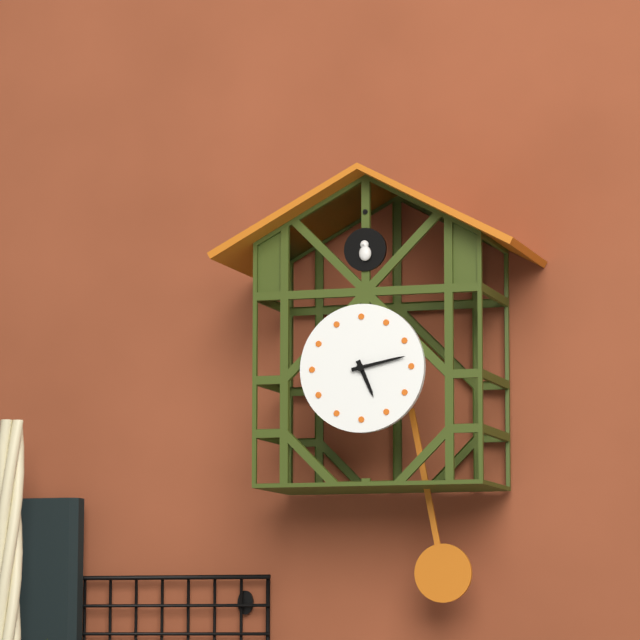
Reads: 5.13
